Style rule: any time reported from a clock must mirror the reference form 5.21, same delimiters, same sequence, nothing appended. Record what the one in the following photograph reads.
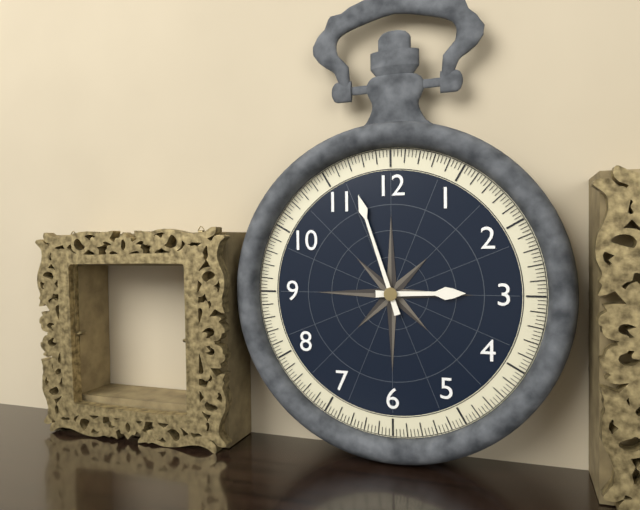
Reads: 2.57
